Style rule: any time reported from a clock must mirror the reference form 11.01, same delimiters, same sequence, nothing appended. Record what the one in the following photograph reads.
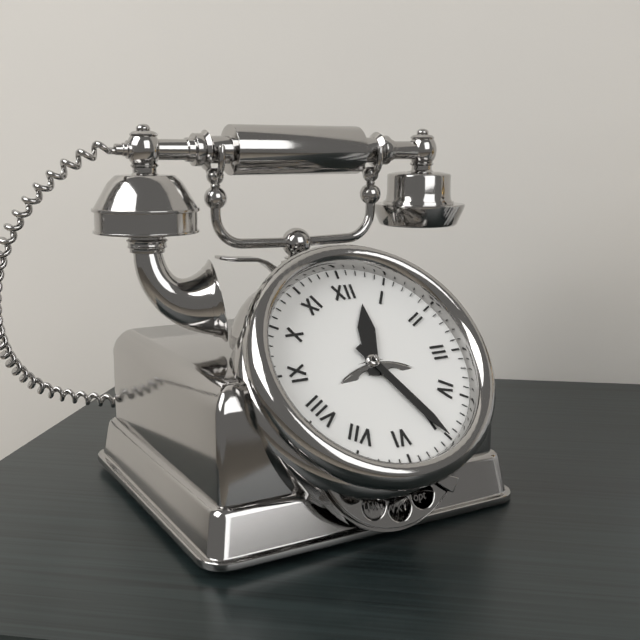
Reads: 12.25
